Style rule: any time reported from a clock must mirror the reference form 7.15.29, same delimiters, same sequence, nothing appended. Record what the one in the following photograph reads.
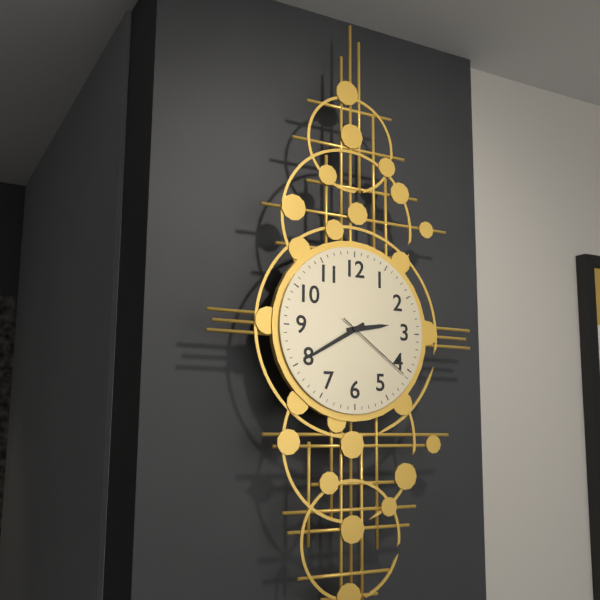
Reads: 2.40.21
